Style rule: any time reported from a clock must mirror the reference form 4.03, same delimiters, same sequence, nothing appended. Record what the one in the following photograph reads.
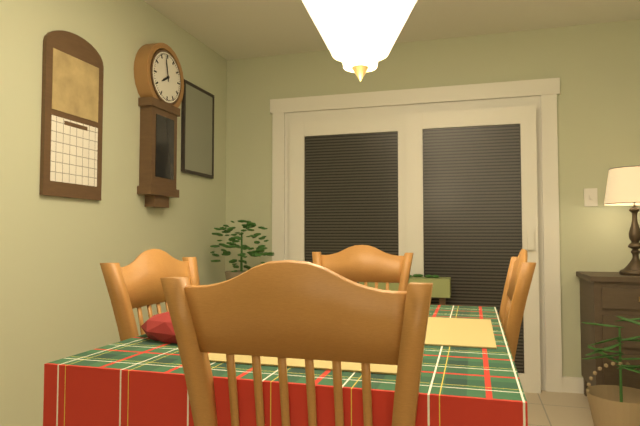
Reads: 7.58
